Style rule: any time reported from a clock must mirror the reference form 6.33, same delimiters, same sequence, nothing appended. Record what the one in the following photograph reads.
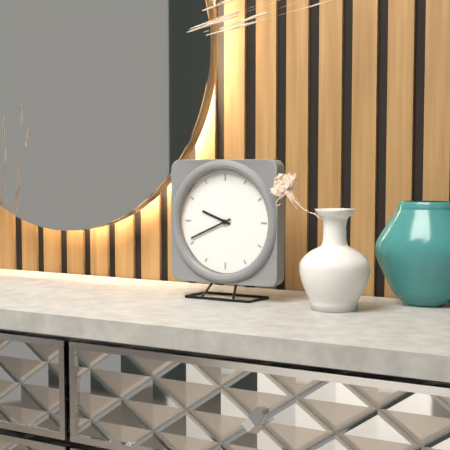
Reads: 9.41
